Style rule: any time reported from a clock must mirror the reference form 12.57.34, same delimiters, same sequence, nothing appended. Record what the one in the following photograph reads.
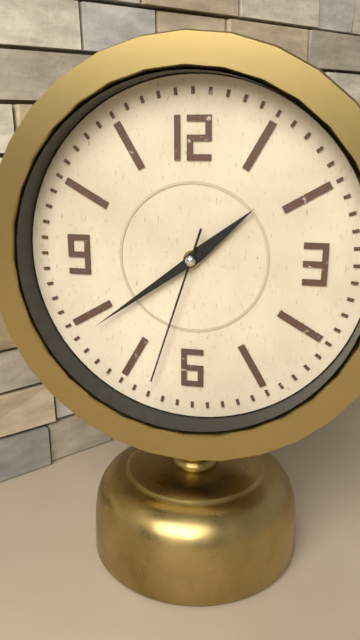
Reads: 1.39.33
